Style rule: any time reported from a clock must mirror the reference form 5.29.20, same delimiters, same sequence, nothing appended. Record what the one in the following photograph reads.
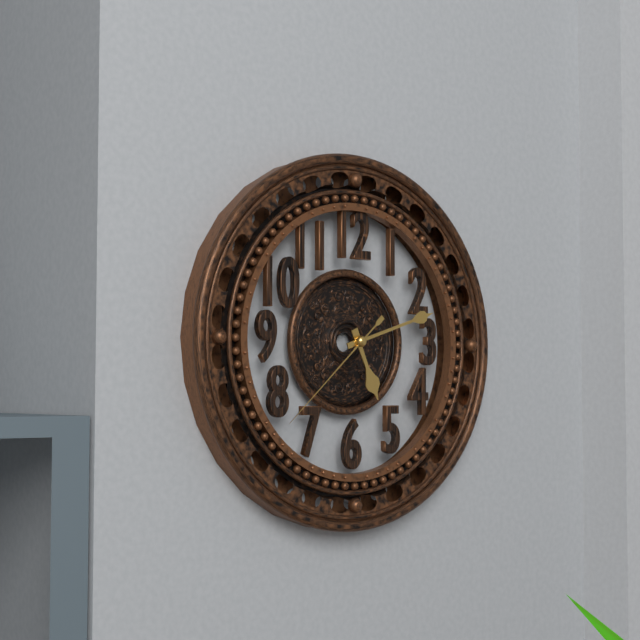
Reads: 5.12.38
